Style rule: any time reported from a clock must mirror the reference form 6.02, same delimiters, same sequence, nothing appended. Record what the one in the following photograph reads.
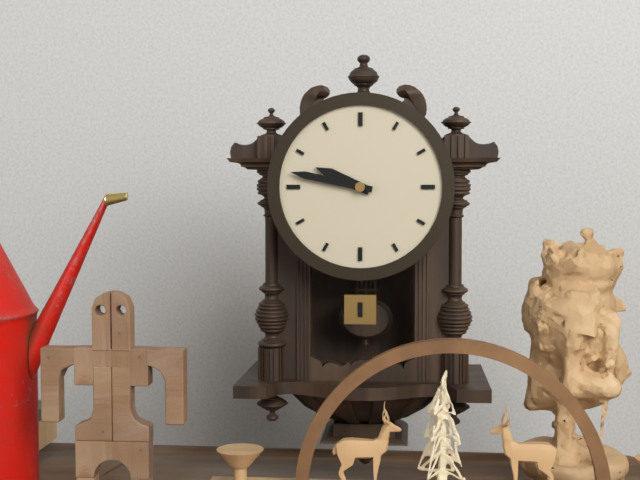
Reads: 9.47
